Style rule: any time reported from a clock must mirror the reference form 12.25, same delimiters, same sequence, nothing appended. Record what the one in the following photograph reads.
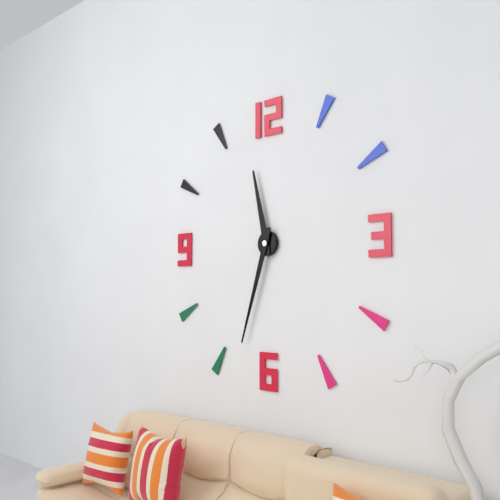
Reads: 11.33
